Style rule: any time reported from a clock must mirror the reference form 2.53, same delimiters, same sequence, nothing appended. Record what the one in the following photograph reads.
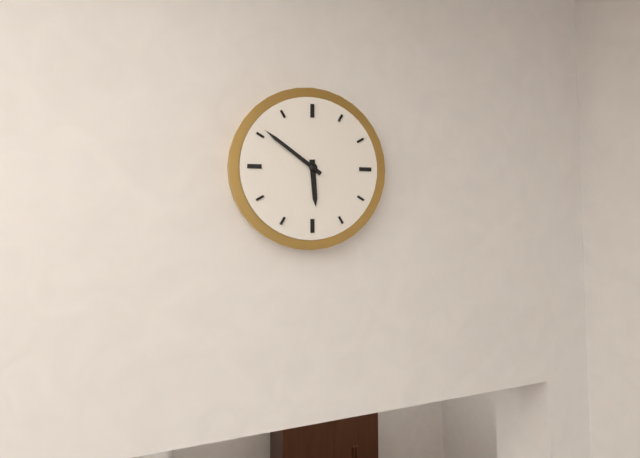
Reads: 5.51
